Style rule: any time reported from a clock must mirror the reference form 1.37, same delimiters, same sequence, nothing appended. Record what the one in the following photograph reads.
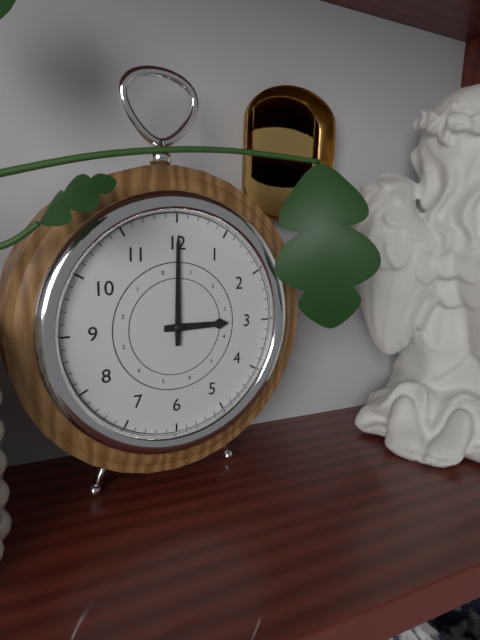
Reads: 3.00
